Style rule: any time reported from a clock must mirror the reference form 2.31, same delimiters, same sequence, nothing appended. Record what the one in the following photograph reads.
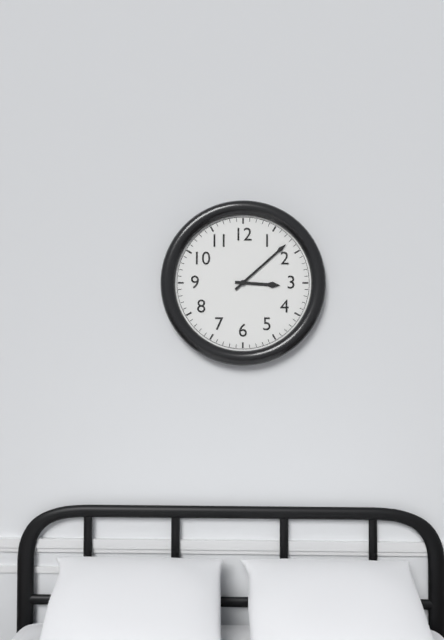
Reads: 3.08
